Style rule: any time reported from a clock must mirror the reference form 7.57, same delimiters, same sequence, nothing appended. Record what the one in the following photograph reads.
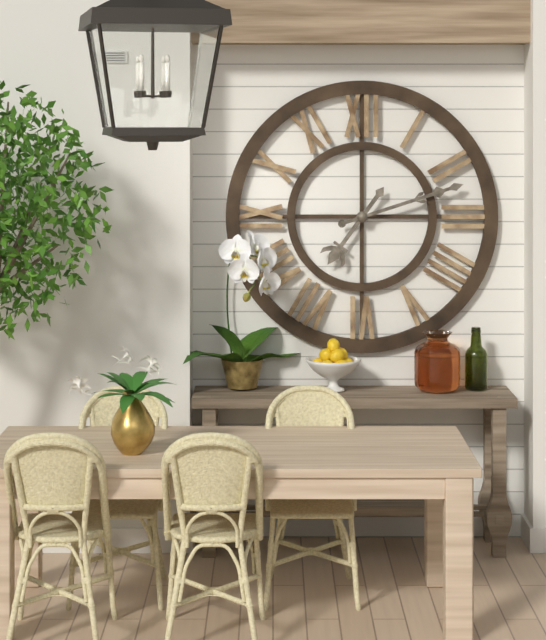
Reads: 7.12
